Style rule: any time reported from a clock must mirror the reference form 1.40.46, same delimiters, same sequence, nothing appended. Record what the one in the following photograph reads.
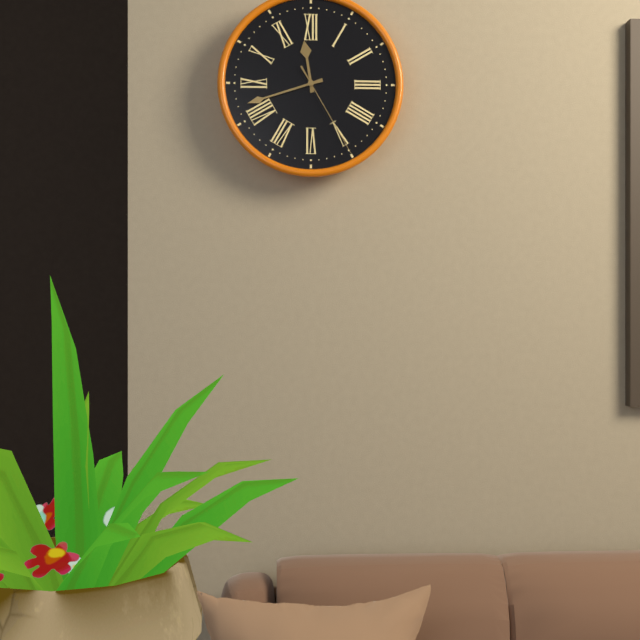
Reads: 11.42.25
